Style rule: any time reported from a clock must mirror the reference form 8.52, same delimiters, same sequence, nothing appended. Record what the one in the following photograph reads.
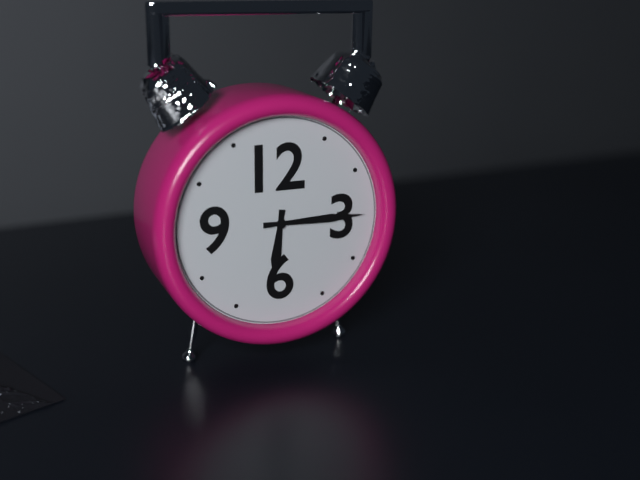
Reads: 6.15
